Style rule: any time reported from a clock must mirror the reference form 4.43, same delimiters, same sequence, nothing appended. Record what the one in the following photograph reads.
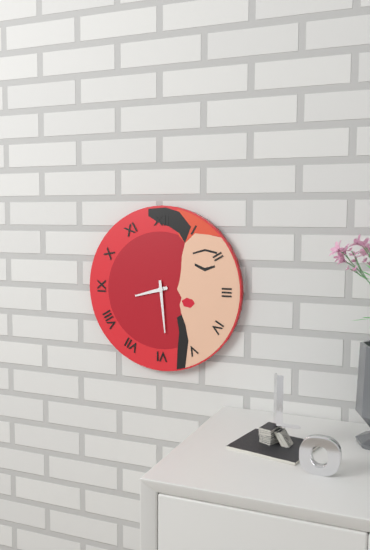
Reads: 8.29
